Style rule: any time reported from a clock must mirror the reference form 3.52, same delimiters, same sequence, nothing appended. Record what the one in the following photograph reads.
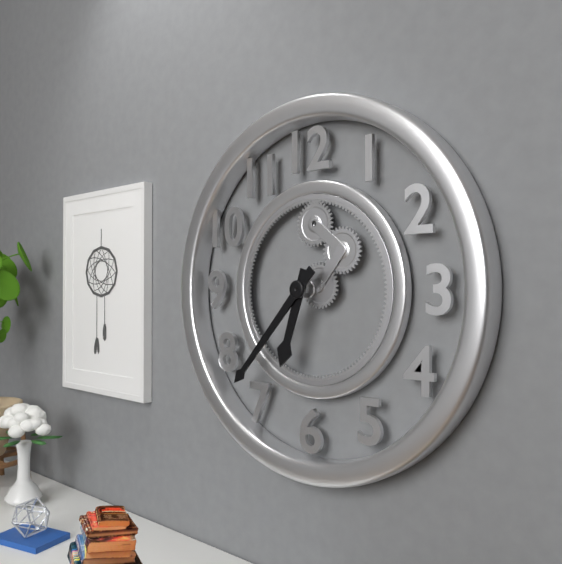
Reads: 6.37
